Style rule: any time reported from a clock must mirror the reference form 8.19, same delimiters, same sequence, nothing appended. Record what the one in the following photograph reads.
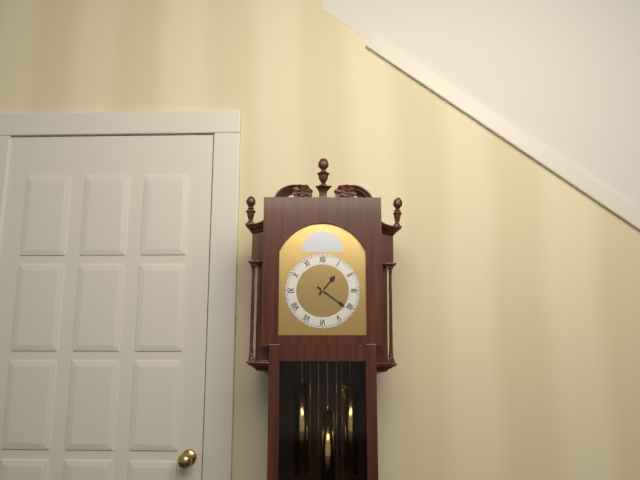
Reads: 1.21
